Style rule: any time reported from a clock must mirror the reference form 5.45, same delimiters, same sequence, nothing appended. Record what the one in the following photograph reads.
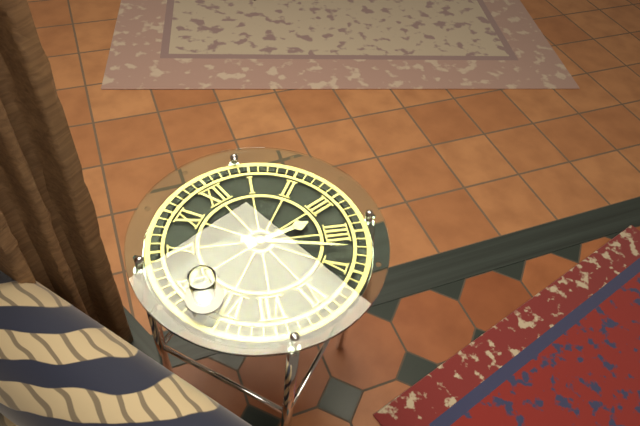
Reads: 3.22
